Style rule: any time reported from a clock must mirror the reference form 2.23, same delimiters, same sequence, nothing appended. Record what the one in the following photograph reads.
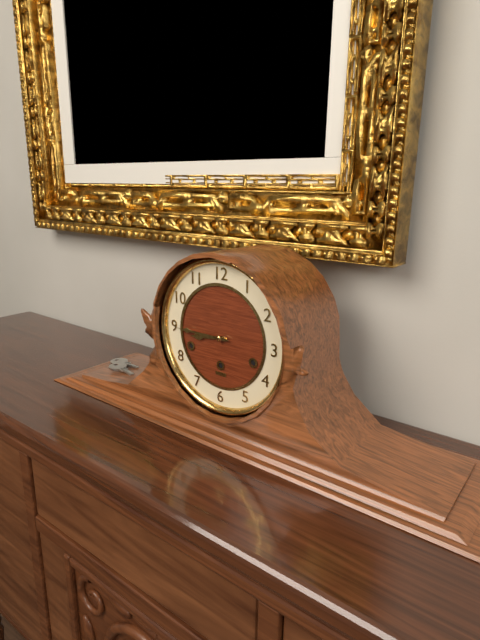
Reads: 8.45
